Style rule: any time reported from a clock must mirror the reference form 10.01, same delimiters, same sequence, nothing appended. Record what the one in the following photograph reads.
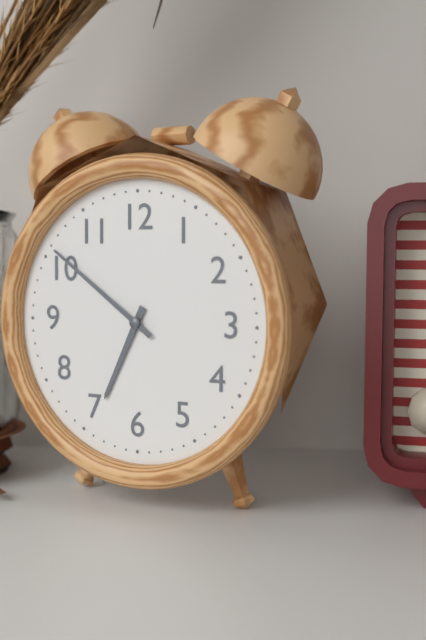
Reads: 6.51
